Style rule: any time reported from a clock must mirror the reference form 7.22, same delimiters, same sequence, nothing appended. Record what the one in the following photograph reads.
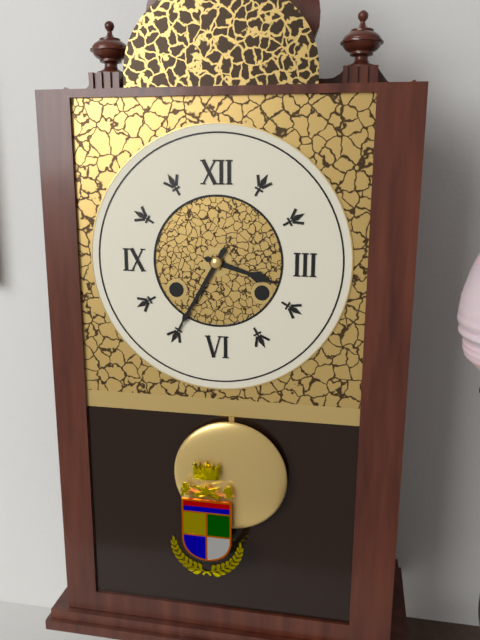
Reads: 3.35
